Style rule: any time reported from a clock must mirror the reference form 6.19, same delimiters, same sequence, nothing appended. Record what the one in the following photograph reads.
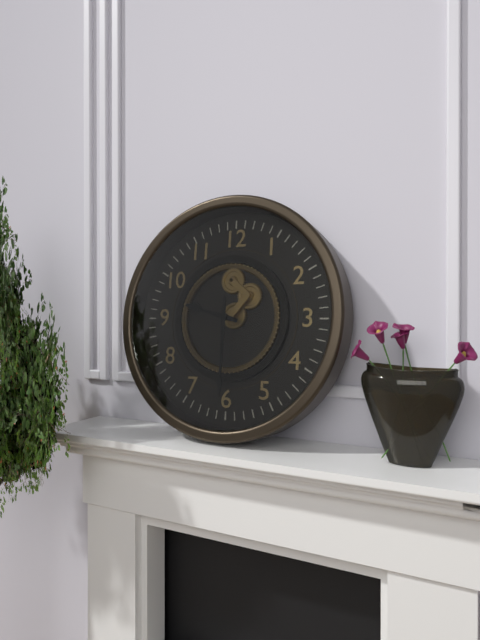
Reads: 9.30
